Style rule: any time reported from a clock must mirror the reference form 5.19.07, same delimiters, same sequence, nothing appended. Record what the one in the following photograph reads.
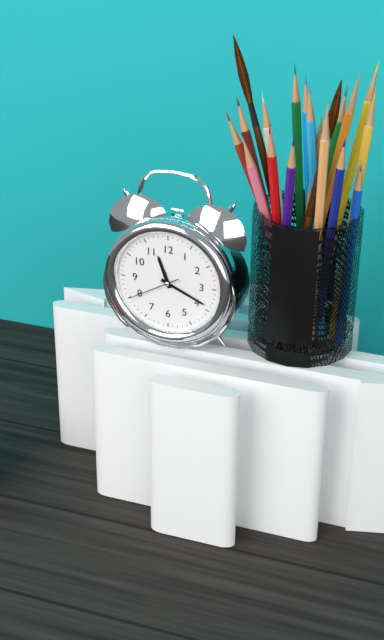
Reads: 11.19.40
